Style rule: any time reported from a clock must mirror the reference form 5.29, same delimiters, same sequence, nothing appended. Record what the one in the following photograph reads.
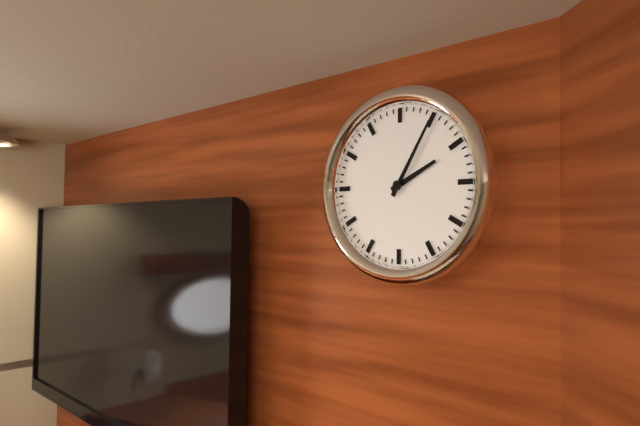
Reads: 2.05
